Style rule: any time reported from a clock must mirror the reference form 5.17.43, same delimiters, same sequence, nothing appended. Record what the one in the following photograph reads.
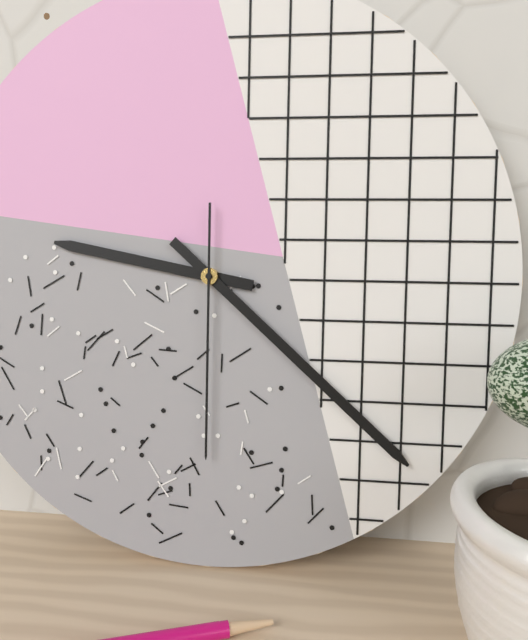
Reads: 9.22.30
